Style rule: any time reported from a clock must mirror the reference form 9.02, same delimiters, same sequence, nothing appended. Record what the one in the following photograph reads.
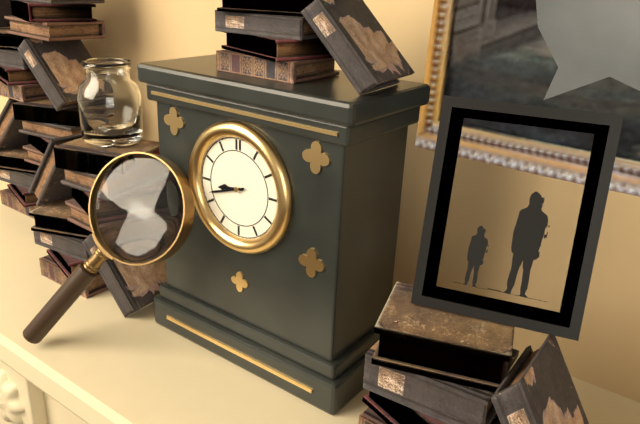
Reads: 8.42
